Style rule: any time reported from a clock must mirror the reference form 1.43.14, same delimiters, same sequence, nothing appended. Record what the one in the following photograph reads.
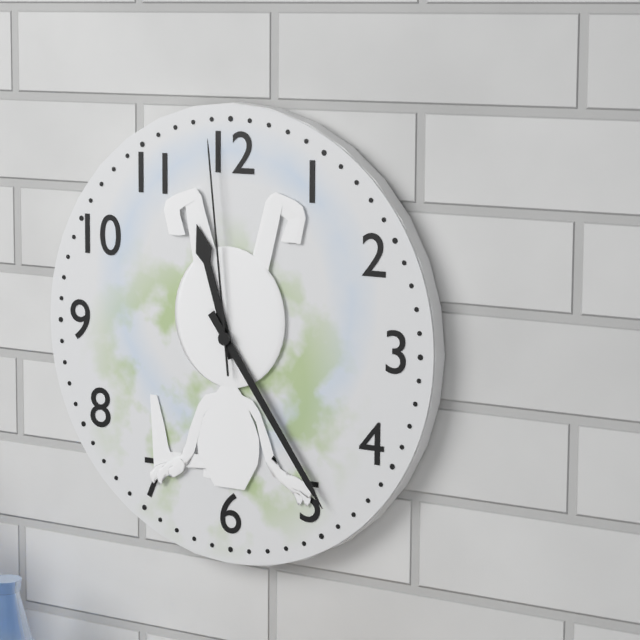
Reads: 11.24.59
